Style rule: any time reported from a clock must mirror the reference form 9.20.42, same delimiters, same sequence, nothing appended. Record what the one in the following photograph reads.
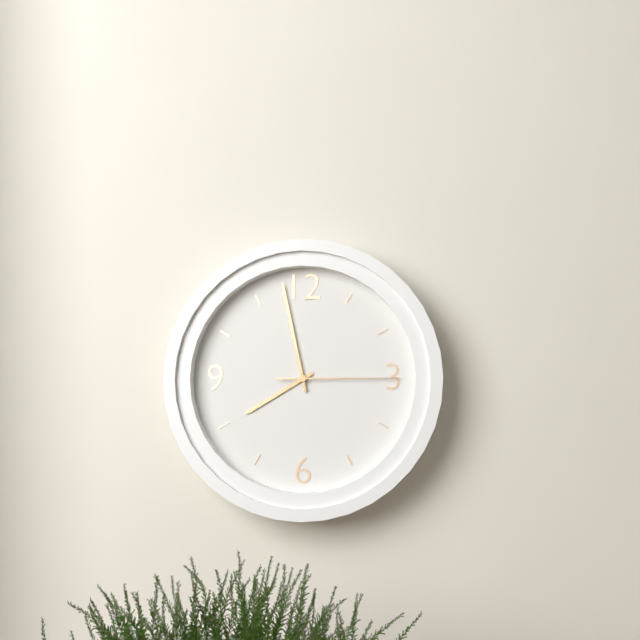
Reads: 7.58.15
